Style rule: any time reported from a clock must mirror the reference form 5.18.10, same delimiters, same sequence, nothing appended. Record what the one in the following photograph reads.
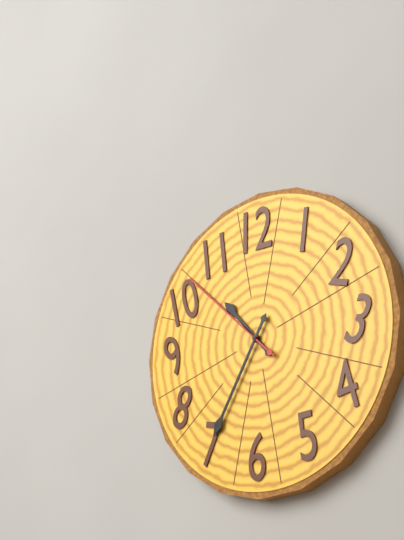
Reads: 10.35.52
